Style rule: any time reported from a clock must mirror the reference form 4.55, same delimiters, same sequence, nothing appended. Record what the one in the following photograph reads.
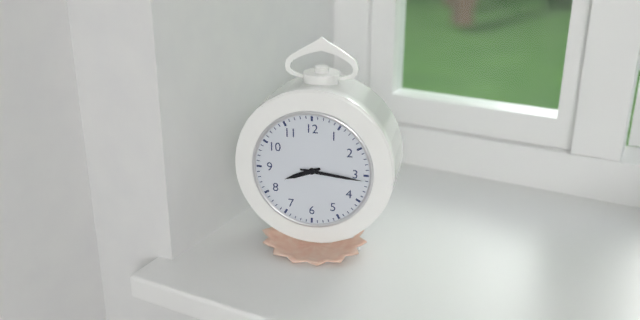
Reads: 8.16
